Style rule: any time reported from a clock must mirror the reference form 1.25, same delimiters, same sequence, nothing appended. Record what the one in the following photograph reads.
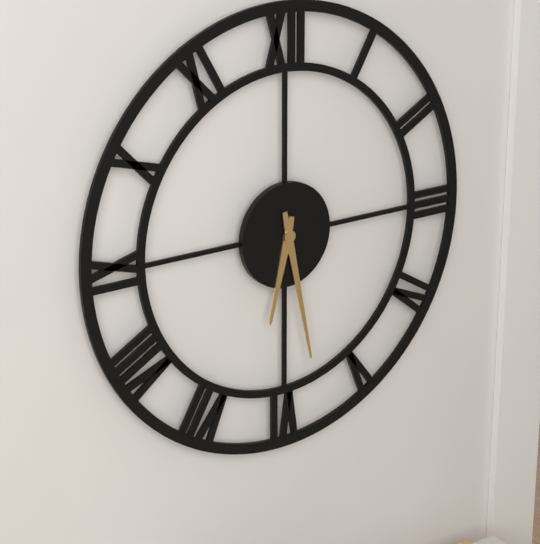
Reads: 6.28
